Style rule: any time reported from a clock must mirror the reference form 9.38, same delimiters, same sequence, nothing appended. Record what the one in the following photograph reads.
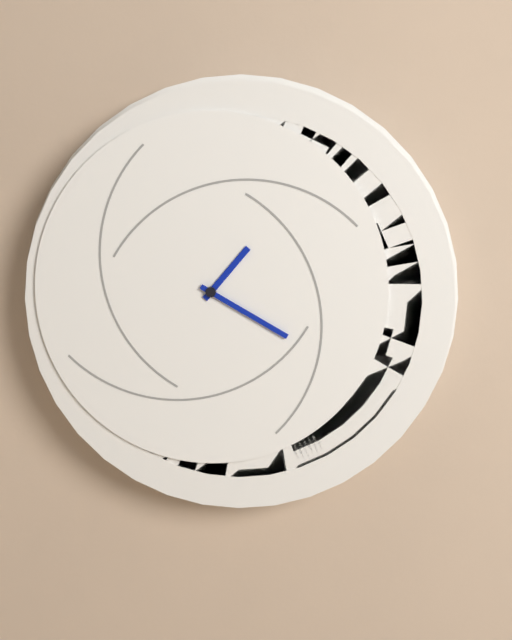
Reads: 1.20
